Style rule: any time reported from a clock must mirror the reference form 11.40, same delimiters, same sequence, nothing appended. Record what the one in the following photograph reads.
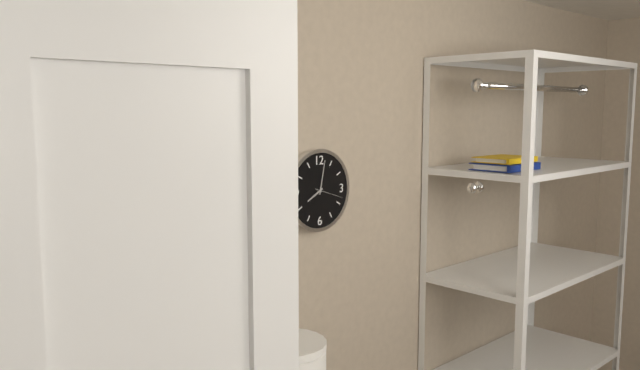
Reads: 8.02
